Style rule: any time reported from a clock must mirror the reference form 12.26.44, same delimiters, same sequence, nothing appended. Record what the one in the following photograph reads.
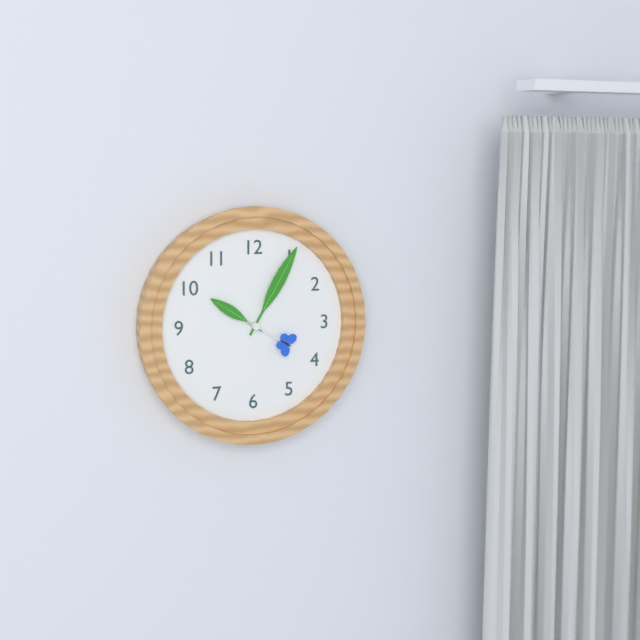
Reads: 10.05.20
